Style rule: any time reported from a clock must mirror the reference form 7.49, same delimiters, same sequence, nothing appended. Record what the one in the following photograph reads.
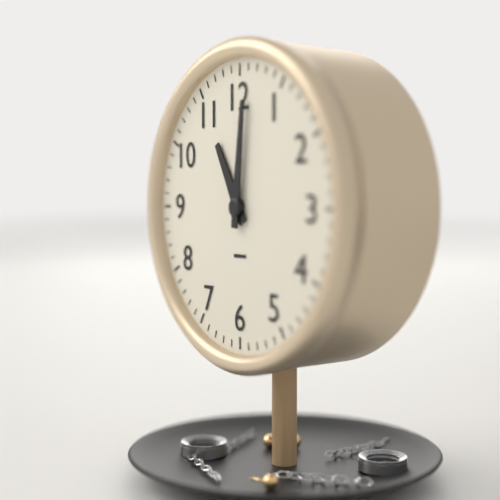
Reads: 11.01
